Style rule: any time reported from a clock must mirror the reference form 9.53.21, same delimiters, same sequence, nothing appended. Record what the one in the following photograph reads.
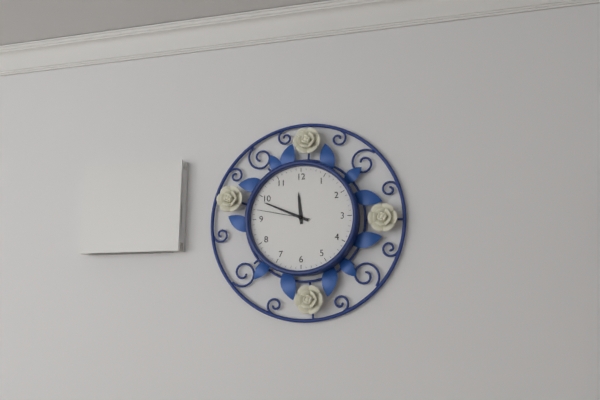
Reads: 11.49.47
